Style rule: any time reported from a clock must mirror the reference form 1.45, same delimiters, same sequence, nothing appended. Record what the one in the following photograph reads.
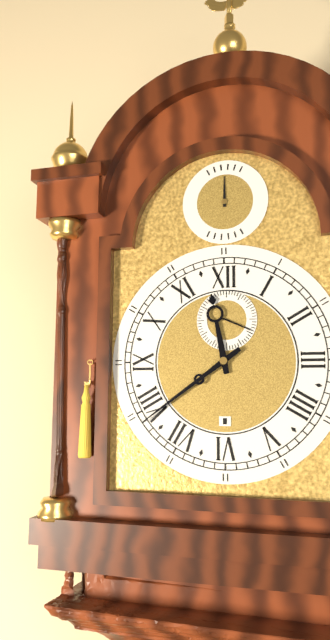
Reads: 11.39
